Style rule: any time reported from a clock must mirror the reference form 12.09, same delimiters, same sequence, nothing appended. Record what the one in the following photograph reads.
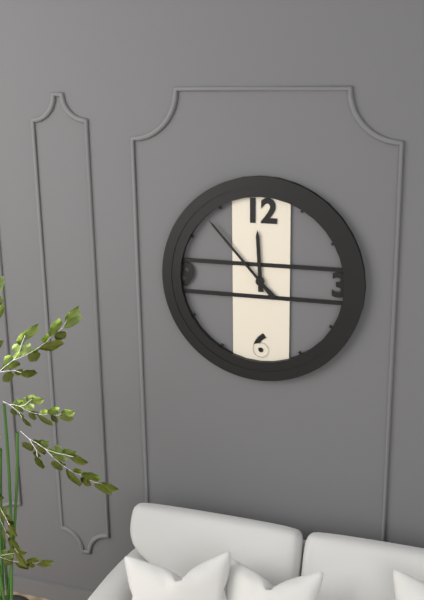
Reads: 11.53
